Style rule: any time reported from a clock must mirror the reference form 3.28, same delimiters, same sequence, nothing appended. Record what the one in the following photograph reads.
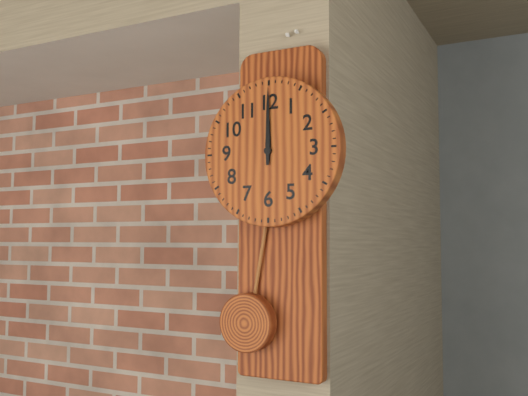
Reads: 12.00
